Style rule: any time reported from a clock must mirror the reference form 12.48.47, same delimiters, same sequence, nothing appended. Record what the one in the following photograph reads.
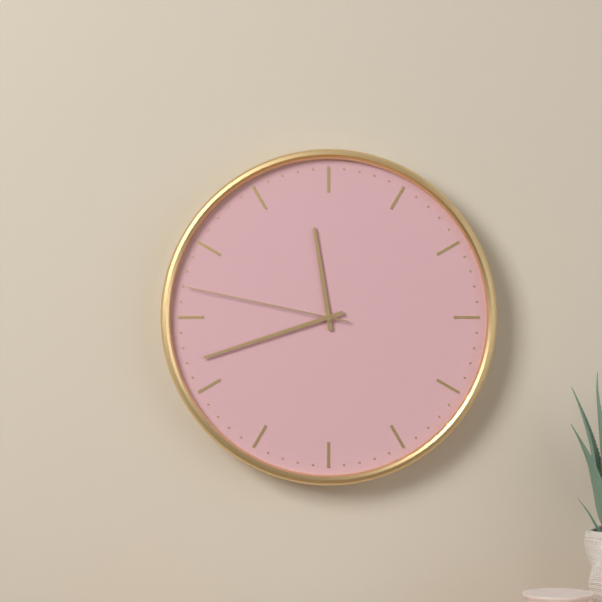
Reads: 11.42.47
